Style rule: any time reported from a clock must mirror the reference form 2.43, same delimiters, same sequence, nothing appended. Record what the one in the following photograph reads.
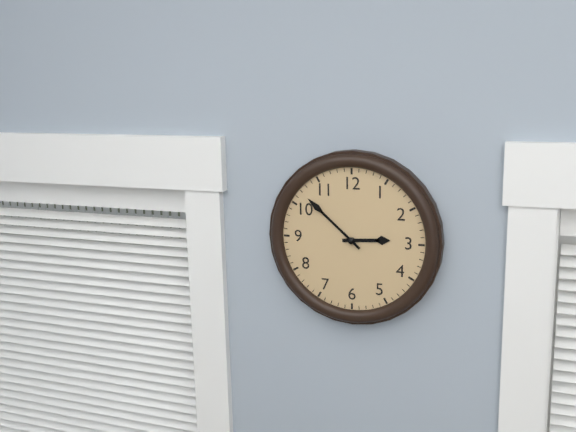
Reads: 2.52
